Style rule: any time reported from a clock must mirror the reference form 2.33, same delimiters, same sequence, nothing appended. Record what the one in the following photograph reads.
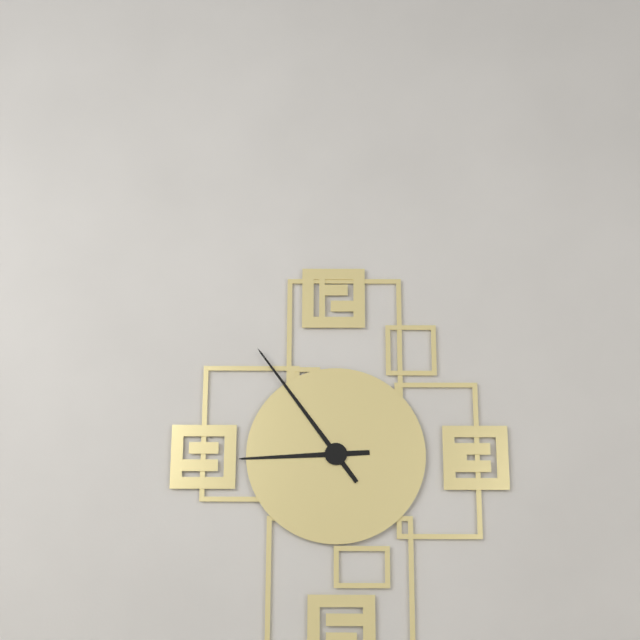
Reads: 8.54
